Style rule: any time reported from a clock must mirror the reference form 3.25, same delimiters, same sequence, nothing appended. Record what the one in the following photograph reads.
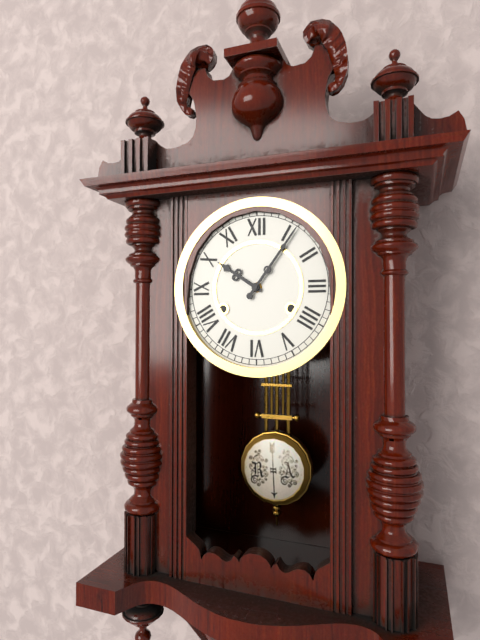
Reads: 10.06
